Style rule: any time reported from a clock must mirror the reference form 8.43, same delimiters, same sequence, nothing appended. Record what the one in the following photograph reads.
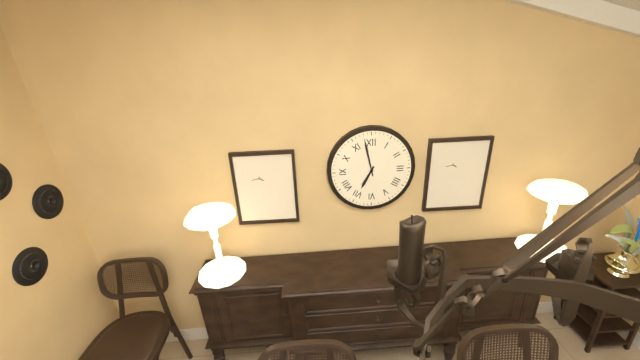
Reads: 6.58
